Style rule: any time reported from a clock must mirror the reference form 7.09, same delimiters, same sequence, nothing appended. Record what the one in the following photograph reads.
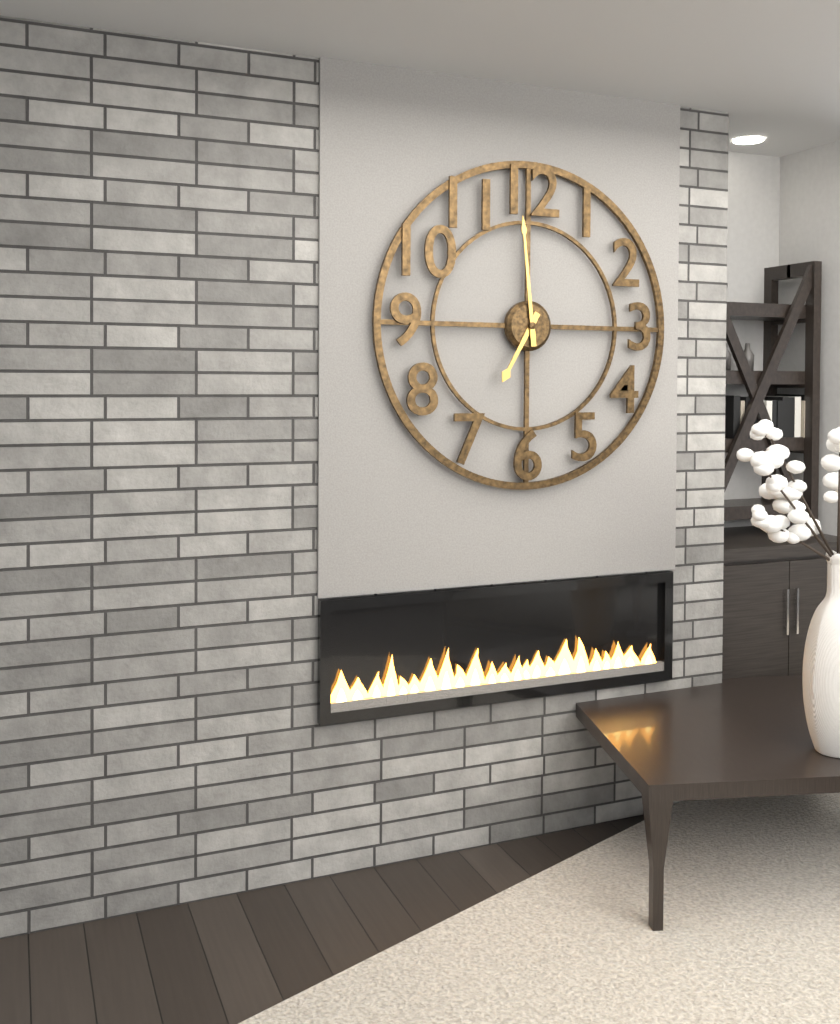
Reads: 6.59
